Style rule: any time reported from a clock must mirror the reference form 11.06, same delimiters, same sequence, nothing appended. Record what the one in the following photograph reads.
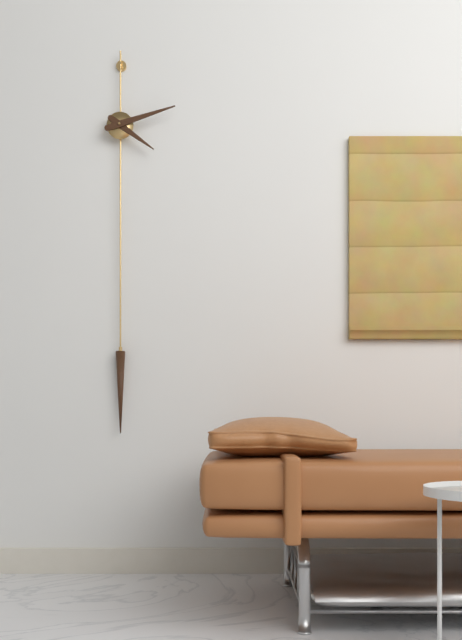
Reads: 4.12
